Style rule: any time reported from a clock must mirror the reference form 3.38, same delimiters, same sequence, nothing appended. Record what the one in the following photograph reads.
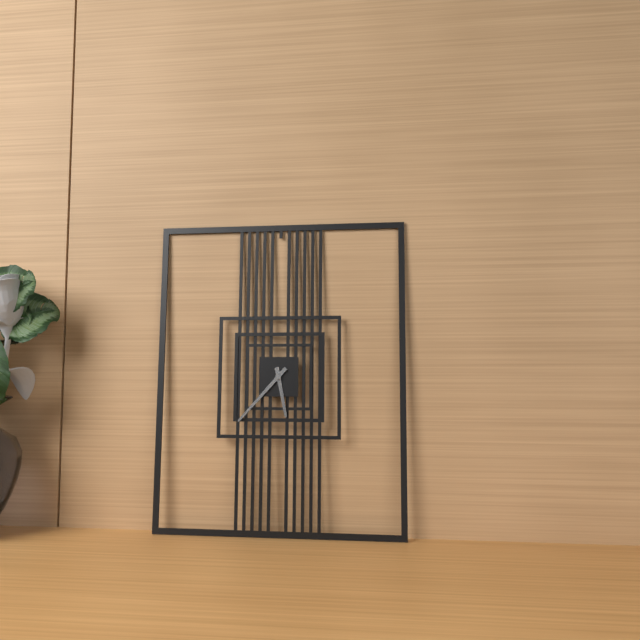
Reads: 5.37
